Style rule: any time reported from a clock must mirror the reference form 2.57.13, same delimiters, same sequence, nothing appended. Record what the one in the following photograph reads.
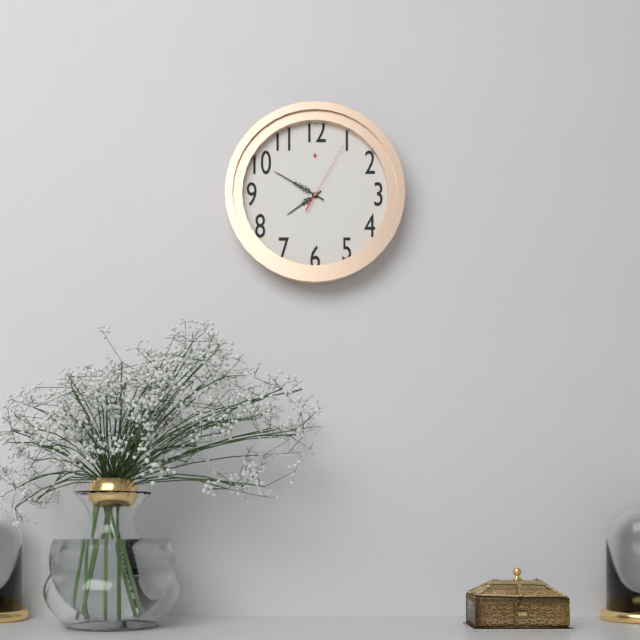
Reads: 7.50.05
